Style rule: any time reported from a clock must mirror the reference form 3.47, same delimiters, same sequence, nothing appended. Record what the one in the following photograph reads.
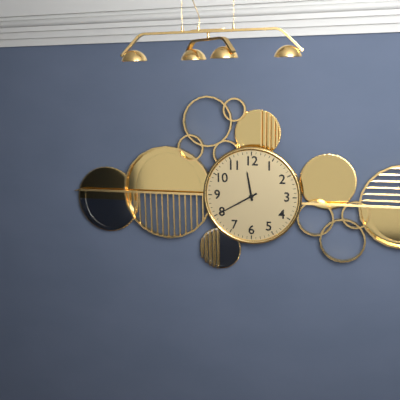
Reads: 11.40
